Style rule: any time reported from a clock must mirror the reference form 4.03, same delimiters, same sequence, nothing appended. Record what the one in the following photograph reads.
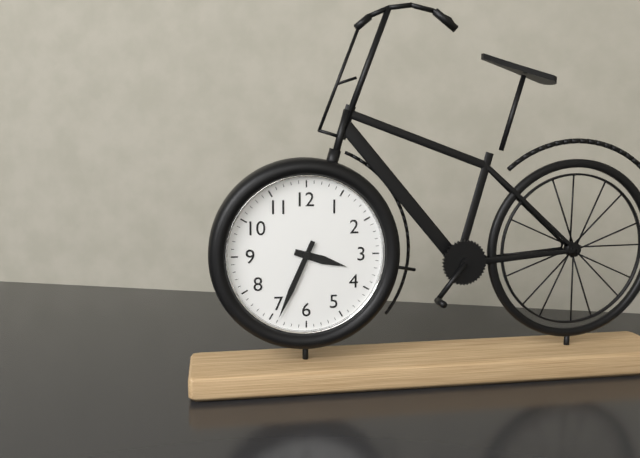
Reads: 3.34
